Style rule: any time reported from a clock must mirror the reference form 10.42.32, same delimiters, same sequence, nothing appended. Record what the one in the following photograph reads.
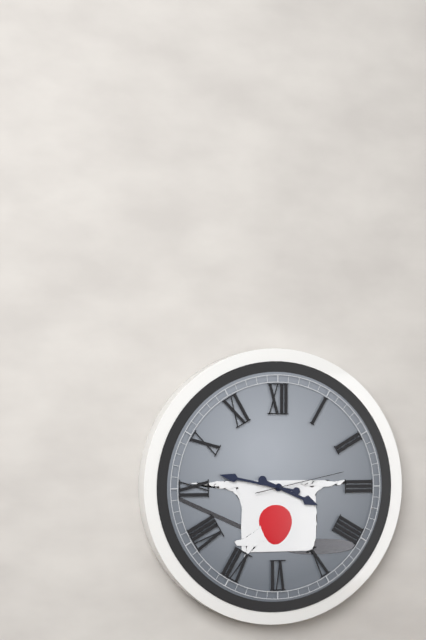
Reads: 3.47.13
